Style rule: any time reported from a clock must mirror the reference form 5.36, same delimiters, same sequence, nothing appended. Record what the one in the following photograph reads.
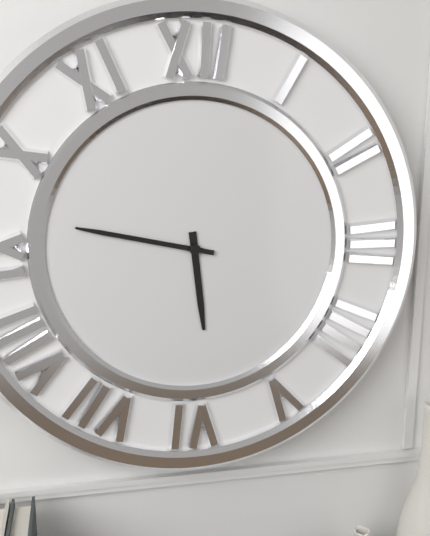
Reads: 5.47
